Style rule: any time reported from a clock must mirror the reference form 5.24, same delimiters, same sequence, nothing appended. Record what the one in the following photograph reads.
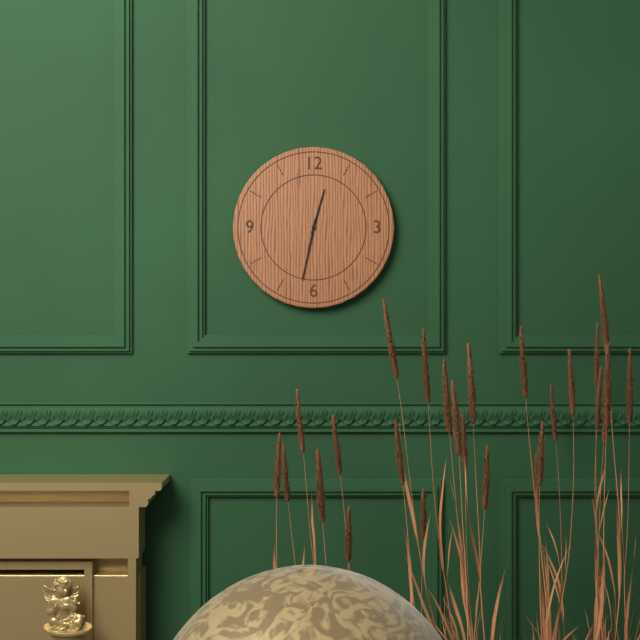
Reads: 12.32
